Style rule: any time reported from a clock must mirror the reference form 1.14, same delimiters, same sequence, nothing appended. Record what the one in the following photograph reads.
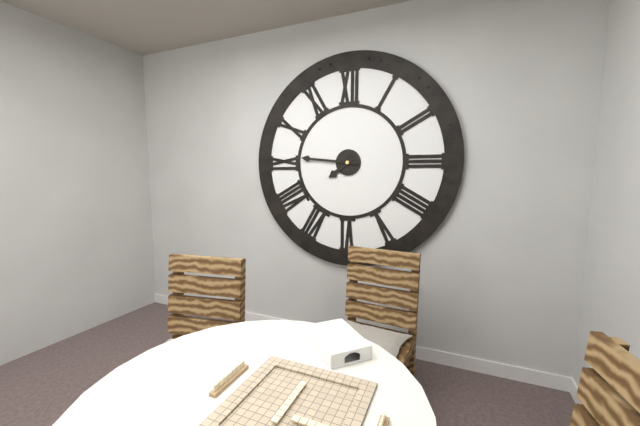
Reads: 7.46
